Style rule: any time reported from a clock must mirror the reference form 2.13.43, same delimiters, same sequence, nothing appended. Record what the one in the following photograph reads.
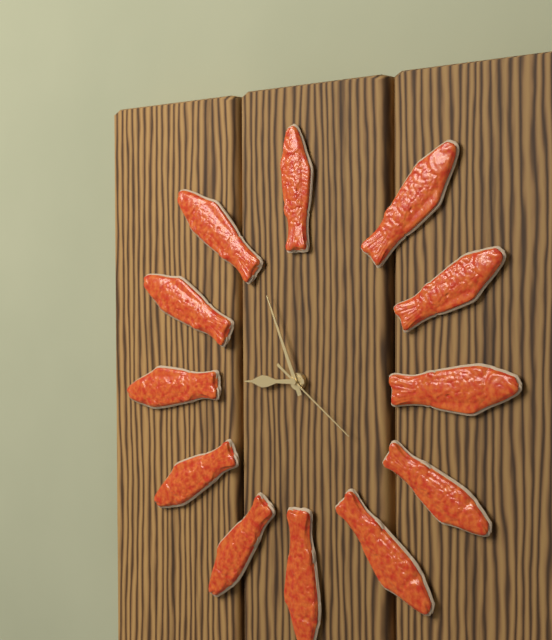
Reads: 8.56.21
